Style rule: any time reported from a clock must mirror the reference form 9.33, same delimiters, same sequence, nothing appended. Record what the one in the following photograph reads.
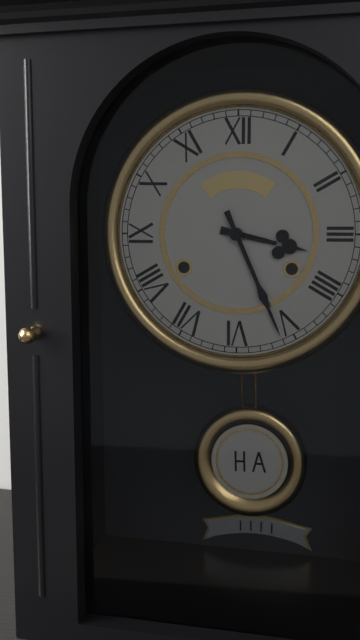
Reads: 3.26
